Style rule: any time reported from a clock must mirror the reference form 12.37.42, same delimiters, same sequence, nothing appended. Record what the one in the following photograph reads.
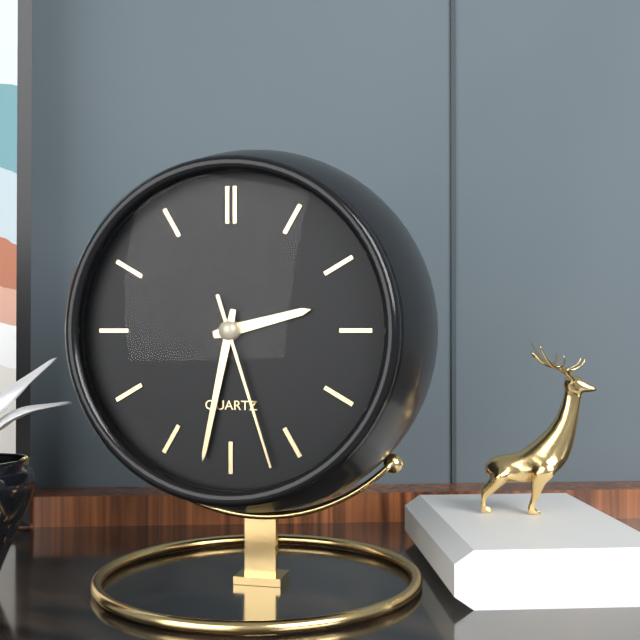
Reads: 2.32.27
